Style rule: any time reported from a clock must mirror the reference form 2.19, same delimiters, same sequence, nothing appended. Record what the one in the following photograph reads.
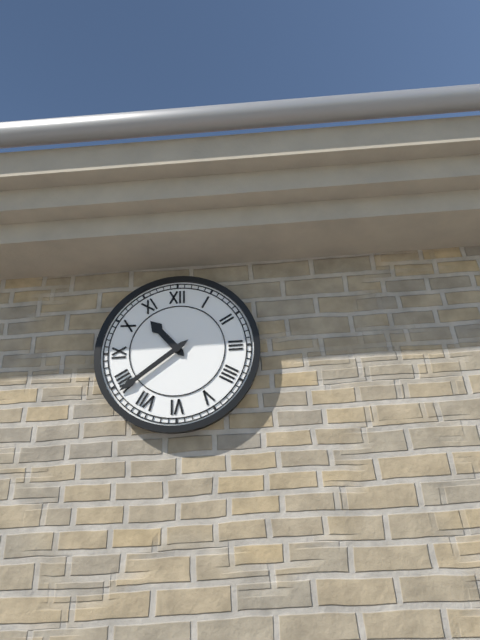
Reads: 10.39
